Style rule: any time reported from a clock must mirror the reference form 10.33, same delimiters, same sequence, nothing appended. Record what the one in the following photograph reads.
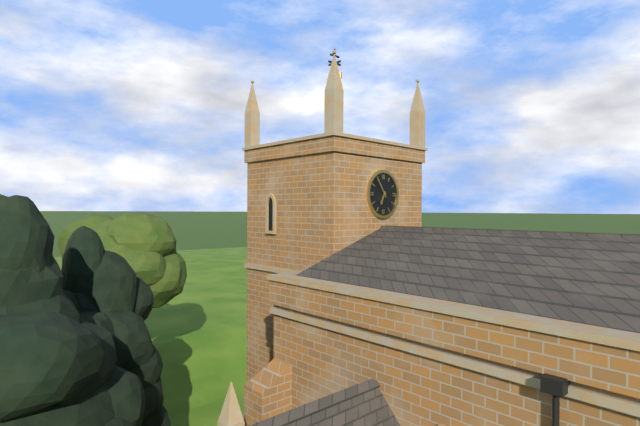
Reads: 6.54
